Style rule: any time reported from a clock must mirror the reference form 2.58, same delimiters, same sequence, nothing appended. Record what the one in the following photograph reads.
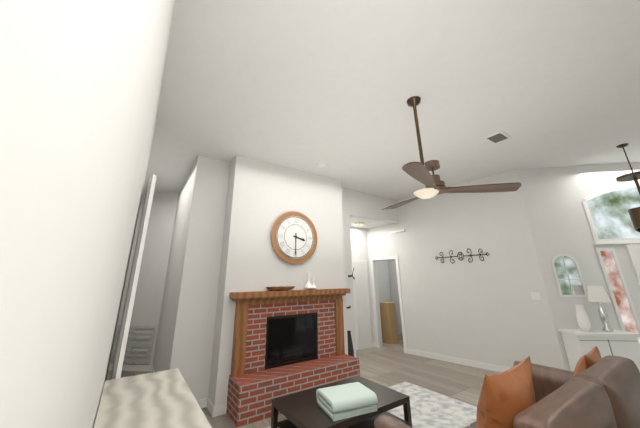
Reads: 3.30
